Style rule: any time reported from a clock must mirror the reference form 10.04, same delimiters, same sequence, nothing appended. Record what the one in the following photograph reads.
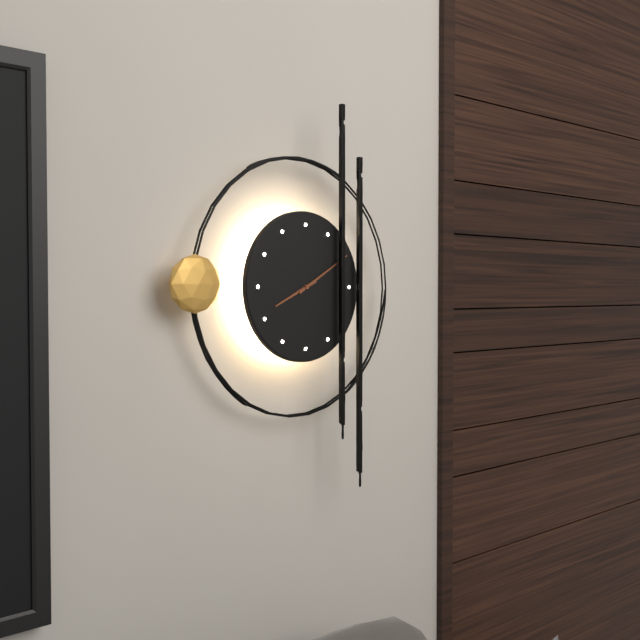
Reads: 8.10
